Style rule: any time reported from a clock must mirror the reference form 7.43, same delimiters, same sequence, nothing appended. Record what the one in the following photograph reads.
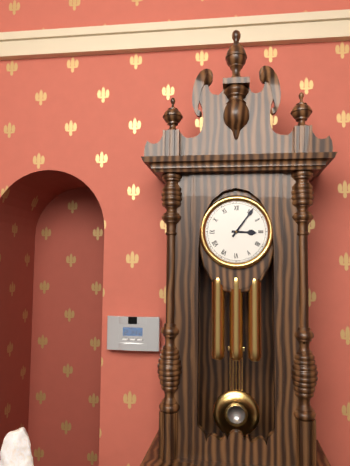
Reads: 3.06
